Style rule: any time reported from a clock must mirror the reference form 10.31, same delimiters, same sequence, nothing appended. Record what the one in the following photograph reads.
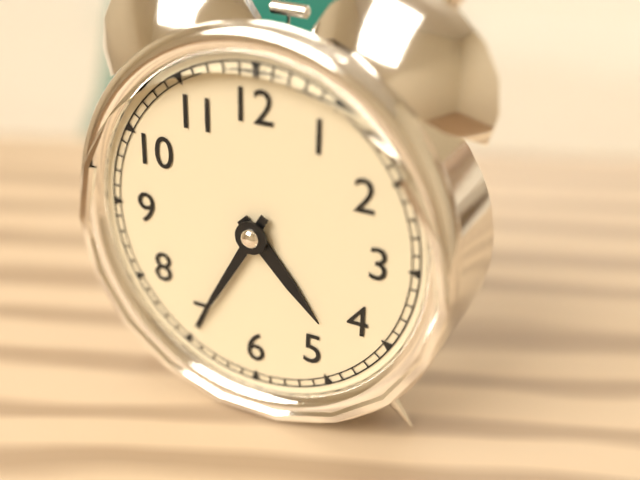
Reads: 4.35
